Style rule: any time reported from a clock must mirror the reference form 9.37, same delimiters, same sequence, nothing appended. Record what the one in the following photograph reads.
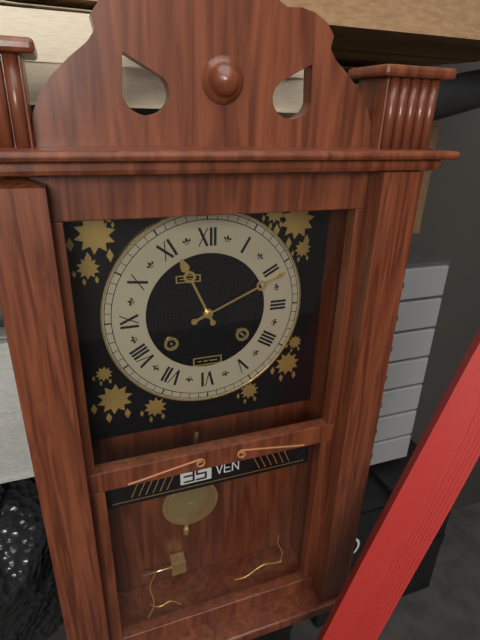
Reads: 11.11
